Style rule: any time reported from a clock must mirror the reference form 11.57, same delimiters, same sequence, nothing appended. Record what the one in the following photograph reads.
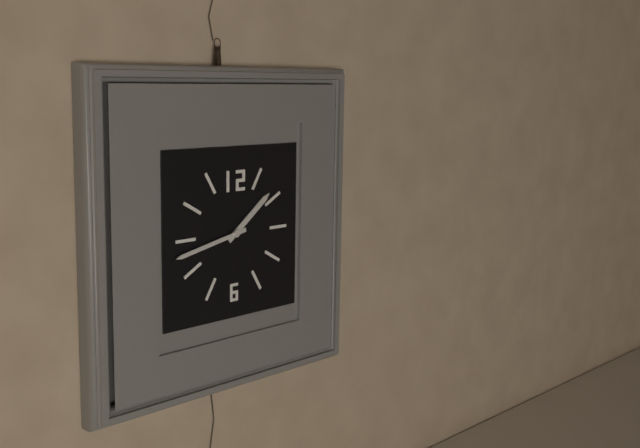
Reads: 1.43
